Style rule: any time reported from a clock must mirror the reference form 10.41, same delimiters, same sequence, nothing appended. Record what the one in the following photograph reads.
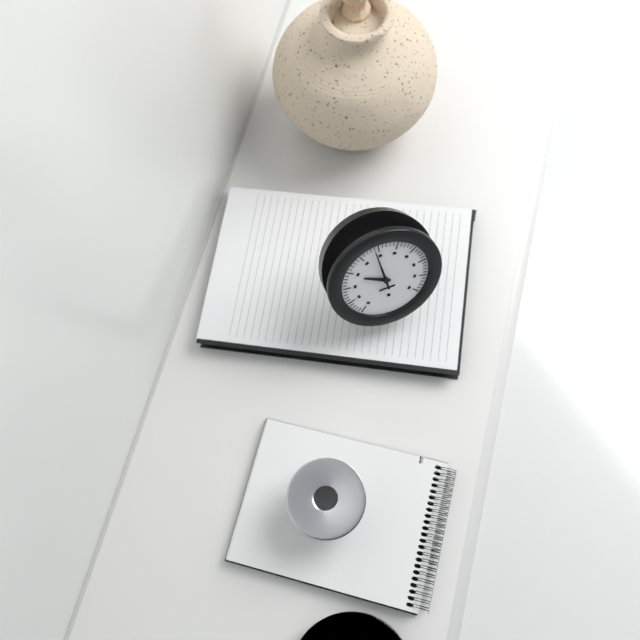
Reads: 9.59
